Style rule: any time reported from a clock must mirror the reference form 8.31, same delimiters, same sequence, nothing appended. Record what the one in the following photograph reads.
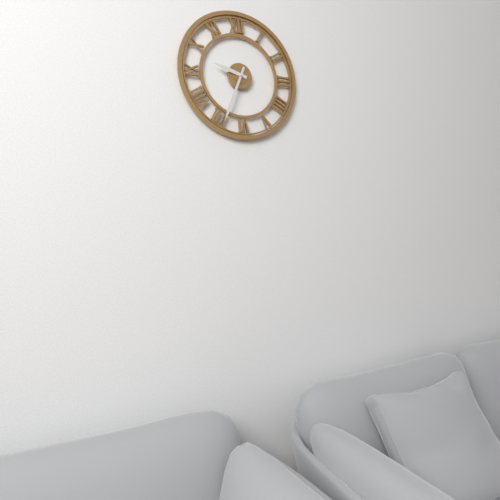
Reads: 9.34
